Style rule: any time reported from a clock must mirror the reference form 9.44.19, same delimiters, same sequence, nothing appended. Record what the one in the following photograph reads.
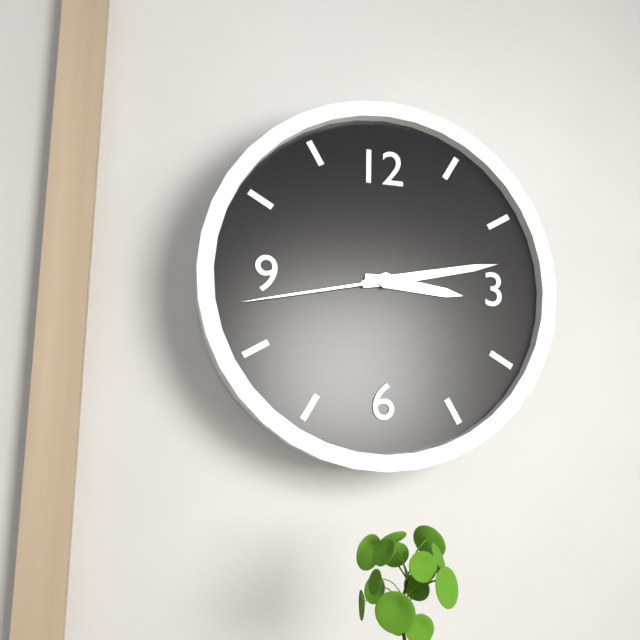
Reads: 3.13.43
